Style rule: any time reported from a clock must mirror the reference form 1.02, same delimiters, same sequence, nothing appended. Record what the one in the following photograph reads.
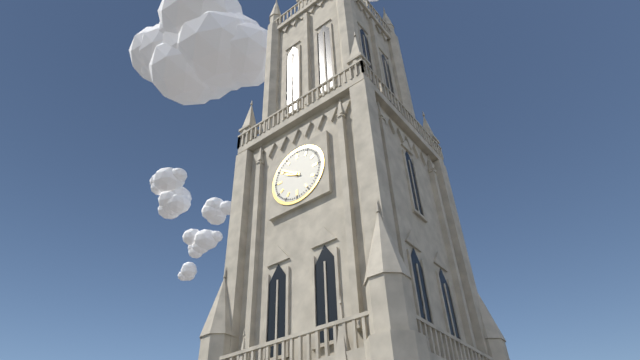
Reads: 9.51
